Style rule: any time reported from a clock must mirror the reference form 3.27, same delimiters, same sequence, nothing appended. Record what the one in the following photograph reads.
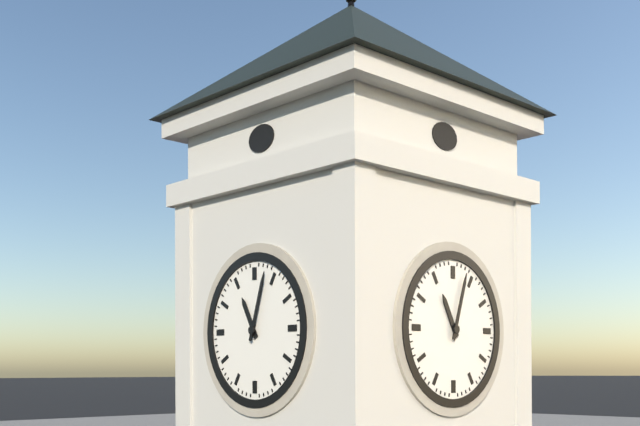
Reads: 11.03
